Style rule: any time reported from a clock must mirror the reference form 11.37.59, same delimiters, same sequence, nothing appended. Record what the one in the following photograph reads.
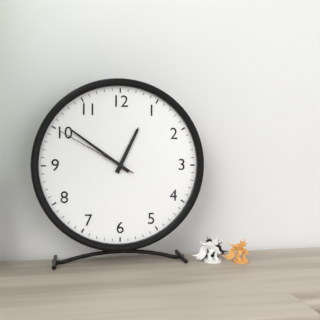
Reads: 12.51.50
